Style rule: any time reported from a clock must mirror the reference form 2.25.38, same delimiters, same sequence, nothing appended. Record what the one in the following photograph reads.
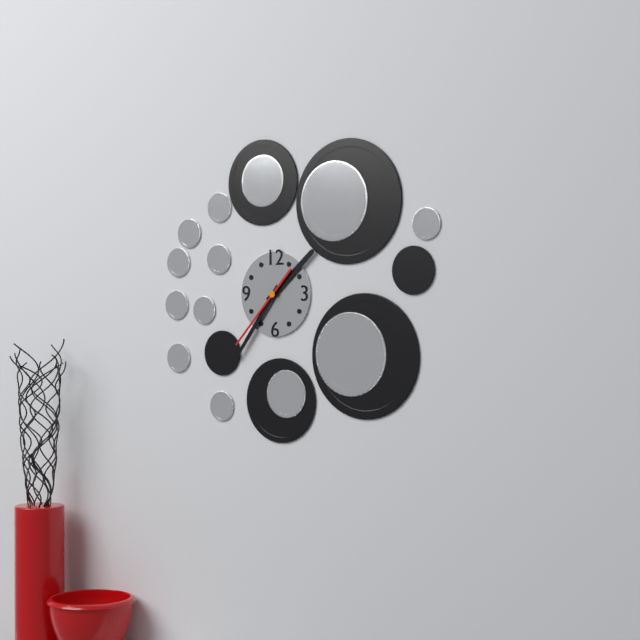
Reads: 1.36.37
